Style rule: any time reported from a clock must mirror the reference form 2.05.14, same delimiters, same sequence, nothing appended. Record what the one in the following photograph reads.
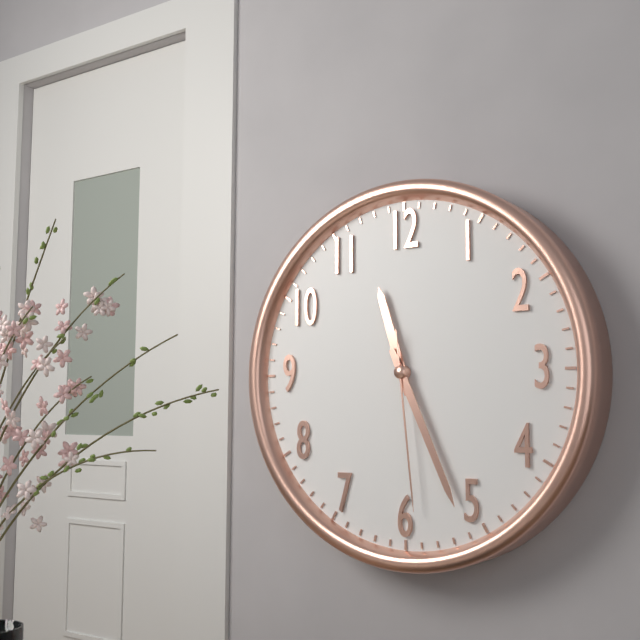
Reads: 11.26.29
